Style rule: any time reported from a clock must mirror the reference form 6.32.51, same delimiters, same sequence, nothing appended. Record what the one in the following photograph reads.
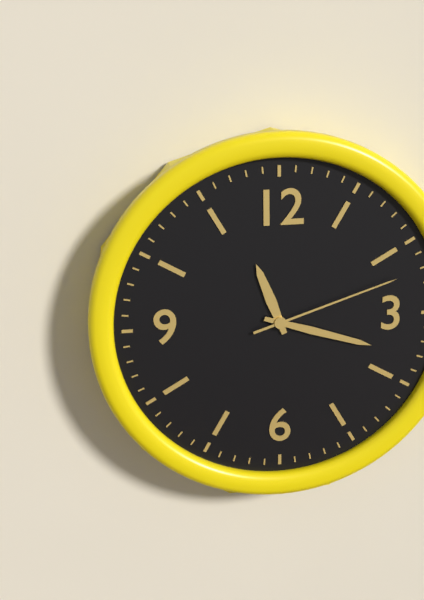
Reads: 11.18.12
